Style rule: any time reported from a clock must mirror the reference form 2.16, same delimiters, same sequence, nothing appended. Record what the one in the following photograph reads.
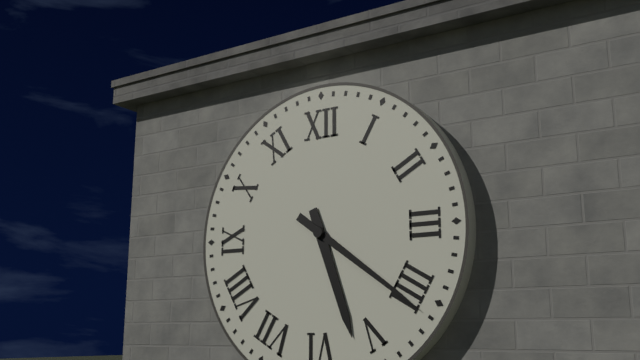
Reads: 5.21
